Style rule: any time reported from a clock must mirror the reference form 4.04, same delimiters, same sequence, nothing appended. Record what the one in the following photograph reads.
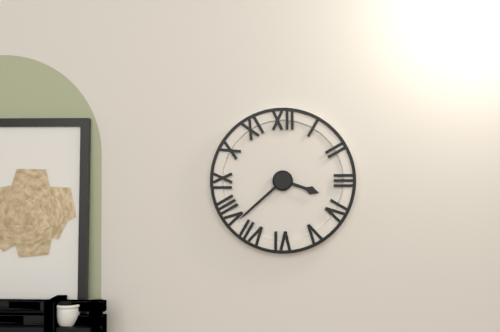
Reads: 3.38
